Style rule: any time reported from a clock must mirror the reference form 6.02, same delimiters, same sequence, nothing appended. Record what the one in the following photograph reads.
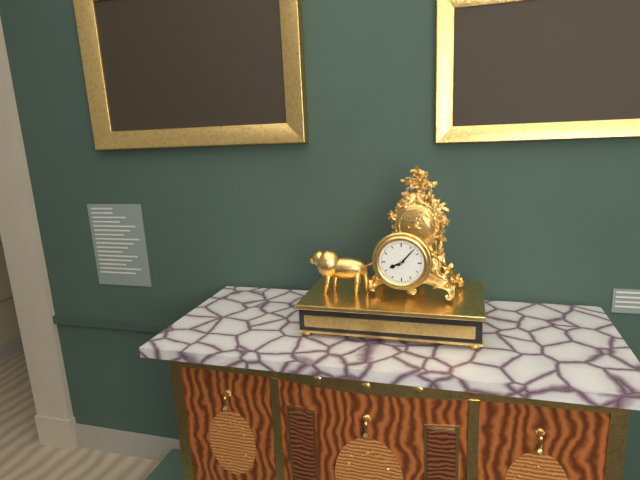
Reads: 8.07
